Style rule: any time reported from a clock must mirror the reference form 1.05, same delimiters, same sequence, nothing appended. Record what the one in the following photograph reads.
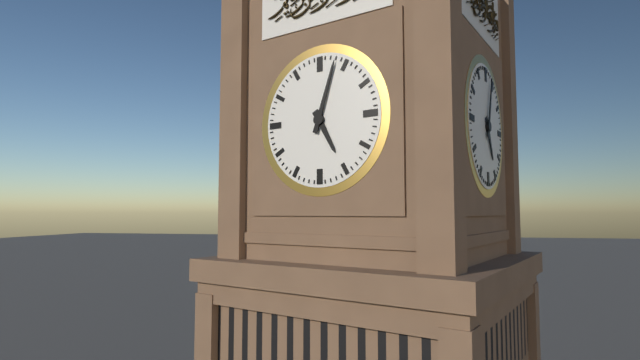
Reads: 5.03
